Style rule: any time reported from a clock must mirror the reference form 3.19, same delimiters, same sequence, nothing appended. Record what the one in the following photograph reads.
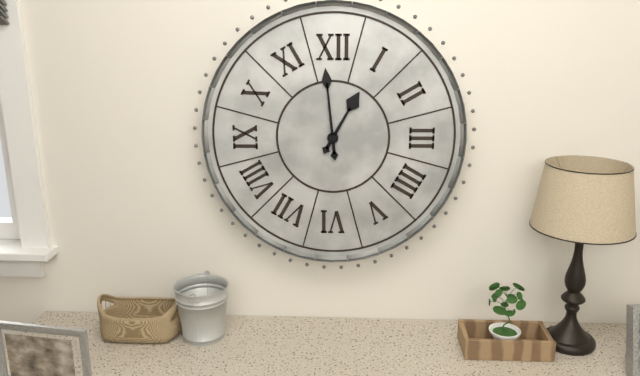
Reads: 12.59
